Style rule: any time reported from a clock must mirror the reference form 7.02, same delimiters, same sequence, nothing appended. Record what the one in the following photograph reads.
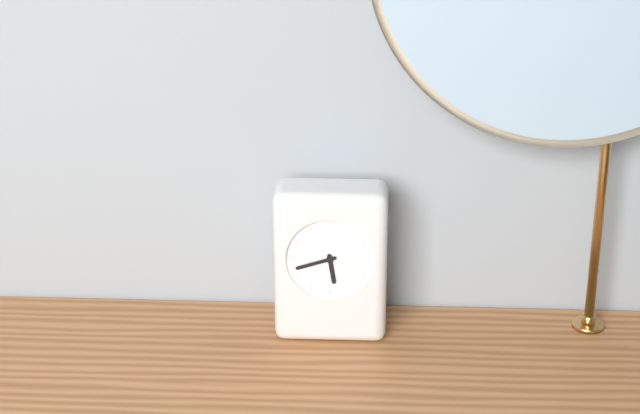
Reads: 5.42
